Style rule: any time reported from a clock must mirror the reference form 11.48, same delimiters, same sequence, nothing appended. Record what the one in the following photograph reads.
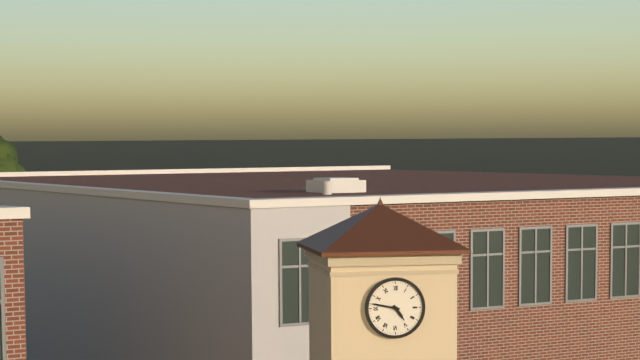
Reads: 4.47
